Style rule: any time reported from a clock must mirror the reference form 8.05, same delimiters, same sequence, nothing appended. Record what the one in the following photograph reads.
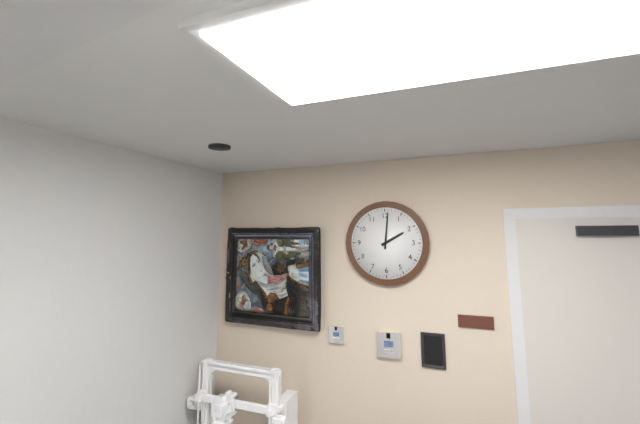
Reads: 2.01
